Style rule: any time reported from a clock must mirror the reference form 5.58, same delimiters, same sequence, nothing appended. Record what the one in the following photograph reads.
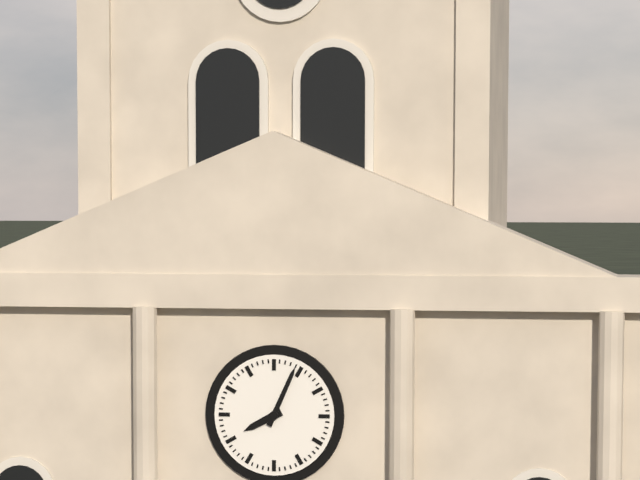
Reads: 8.04
